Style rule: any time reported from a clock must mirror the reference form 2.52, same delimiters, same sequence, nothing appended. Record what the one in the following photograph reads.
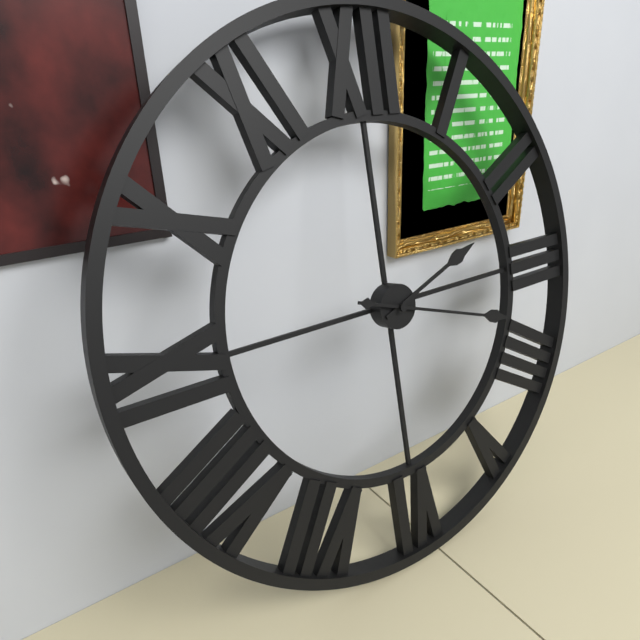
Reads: 2.18
